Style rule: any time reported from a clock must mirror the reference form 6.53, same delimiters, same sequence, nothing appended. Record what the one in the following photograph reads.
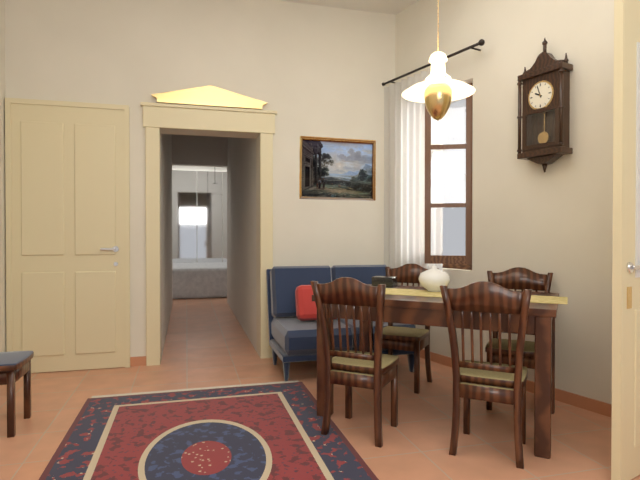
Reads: 9.57
